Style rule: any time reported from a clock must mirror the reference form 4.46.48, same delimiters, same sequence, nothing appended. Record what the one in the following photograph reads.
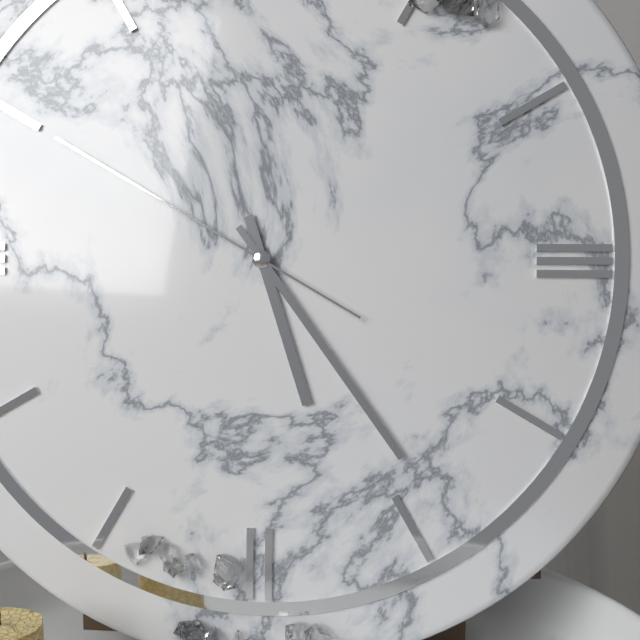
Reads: 5.24.50
